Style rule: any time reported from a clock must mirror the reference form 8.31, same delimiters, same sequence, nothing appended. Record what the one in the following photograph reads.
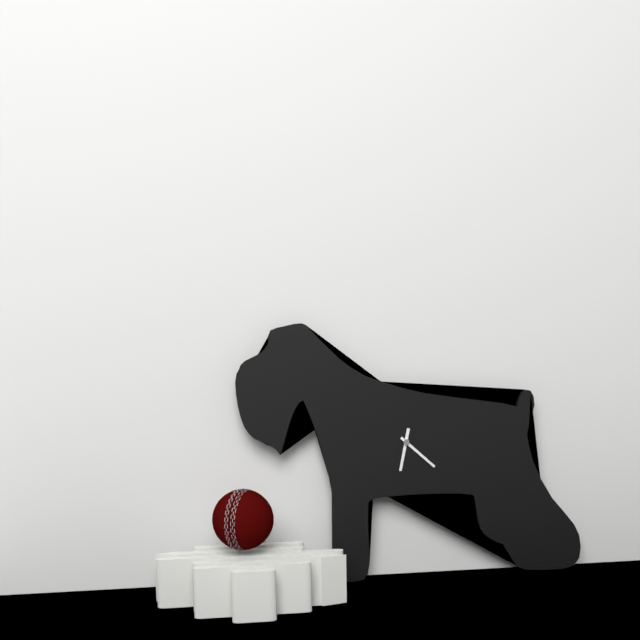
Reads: 6.22
